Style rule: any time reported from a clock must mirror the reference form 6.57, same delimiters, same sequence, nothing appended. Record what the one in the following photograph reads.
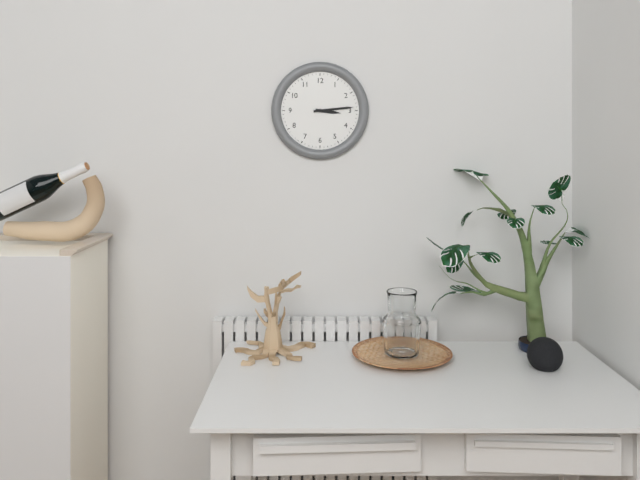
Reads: 3.14
